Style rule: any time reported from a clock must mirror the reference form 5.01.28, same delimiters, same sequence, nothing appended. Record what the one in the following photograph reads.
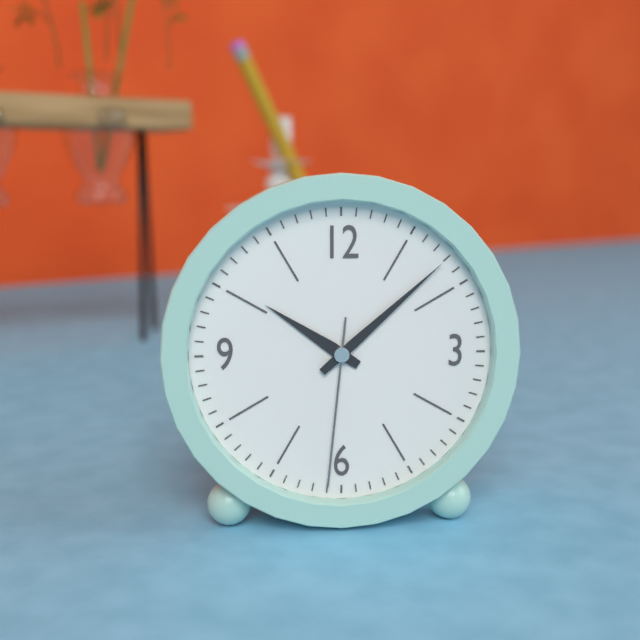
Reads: 10.08.31
